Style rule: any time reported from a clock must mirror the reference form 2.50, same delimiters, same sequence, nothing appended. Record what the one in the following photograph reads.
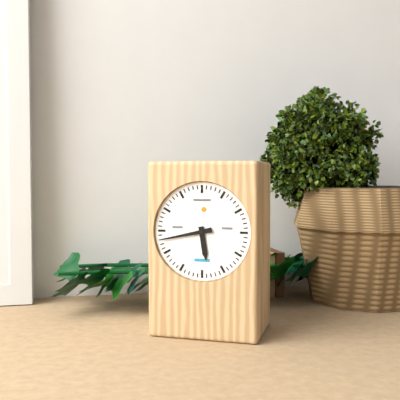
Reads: 5.43
